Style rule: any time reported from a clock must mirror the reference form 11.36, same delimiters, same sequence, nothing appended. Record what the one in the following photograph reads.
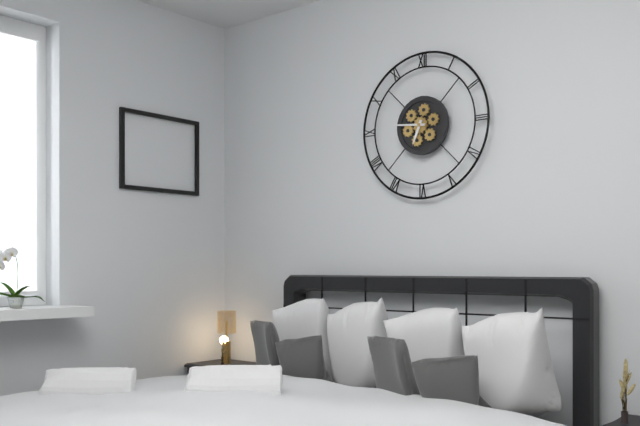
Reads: 6.46
